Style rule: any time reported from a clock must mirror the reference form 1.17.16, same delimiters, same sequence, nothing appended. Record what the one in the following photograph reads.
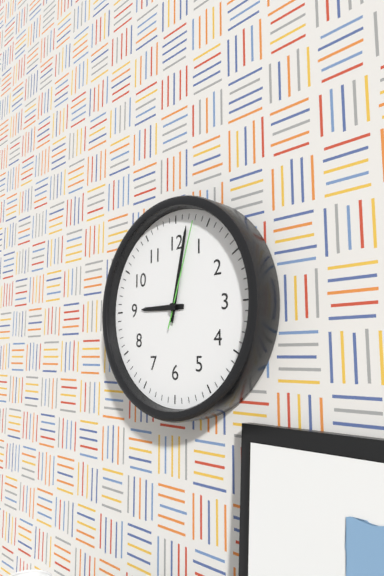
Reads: 9.02.03
